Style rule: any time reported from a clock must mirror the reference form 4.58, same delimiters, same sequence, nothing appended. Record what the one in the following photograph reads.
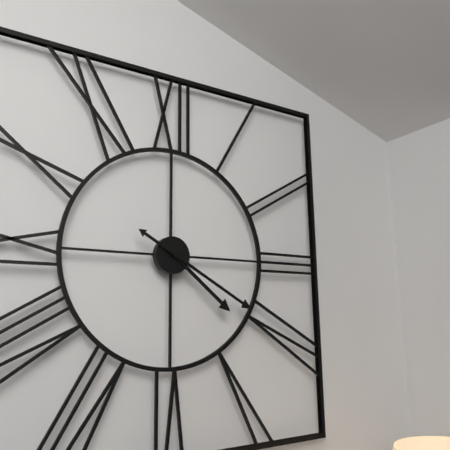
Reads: 4.20
